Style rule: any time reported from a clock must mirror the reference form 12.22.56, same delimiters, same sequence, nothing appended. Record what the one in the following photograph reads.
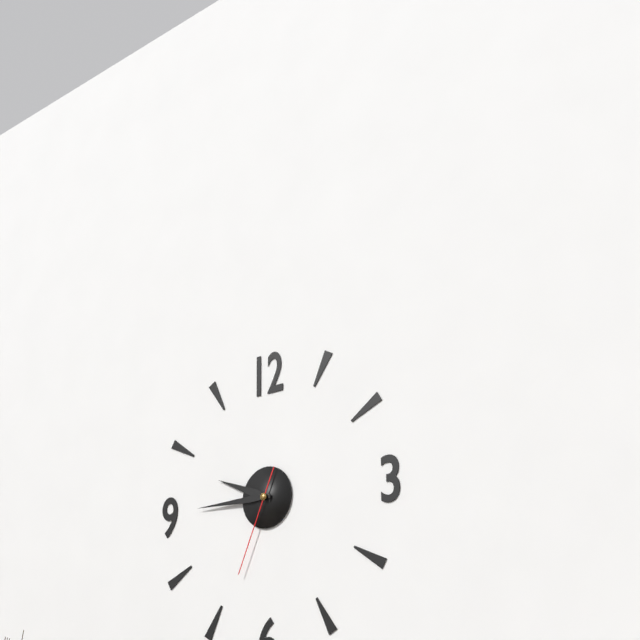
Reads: 9.45.34
